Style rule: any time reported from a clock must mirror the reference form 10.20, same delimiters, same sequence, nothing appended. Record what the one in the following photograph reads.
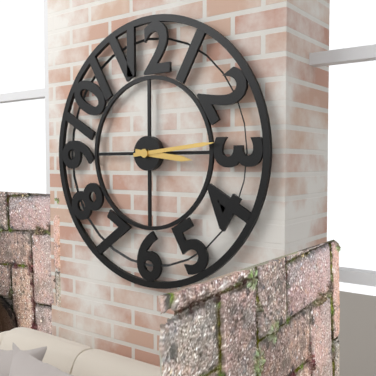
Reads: 3.14
